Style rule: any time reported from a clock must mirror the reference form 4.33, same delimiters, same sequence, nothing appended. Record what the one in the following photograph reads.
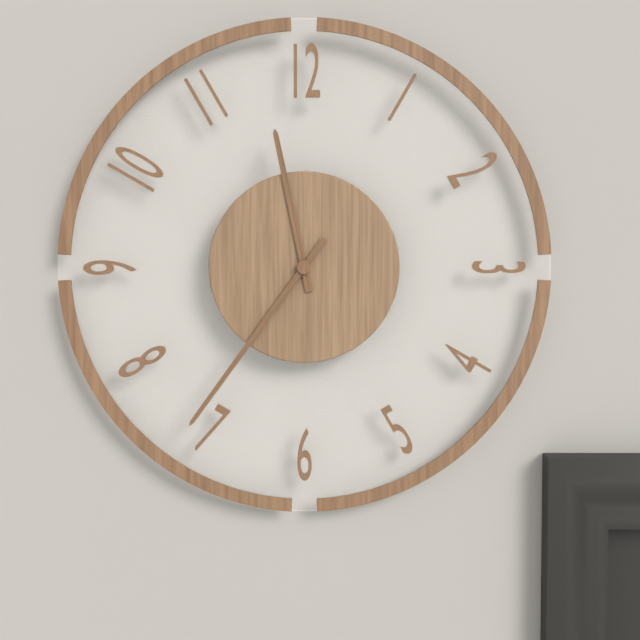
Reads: 11.36
